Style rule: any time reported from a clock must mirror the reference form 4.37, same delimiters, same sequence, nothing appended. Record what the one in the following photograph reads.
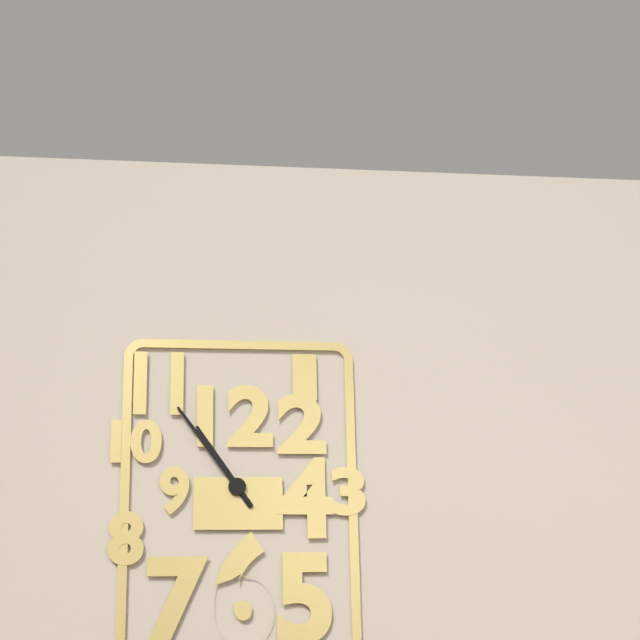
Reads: 10.54
